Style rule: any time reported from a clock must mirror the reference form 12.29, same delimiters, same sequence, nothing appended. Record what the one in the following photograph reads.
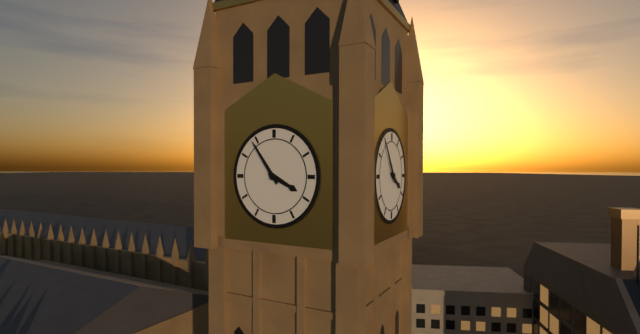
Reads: 3.54
